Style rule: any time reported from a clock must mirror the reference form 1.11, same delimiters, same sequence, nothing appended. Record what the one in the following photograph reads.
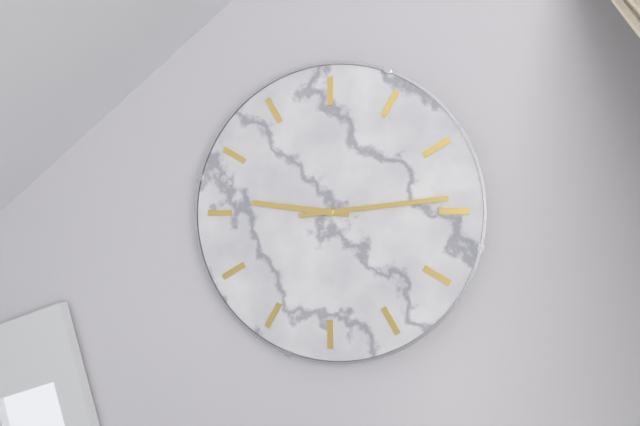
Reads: 9.14
